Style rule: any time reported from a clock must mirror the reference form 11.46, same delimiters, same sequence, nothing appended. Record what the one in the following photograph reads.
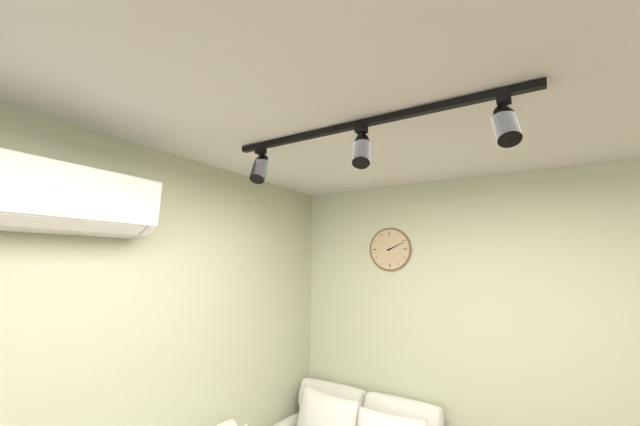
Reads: 2.11
